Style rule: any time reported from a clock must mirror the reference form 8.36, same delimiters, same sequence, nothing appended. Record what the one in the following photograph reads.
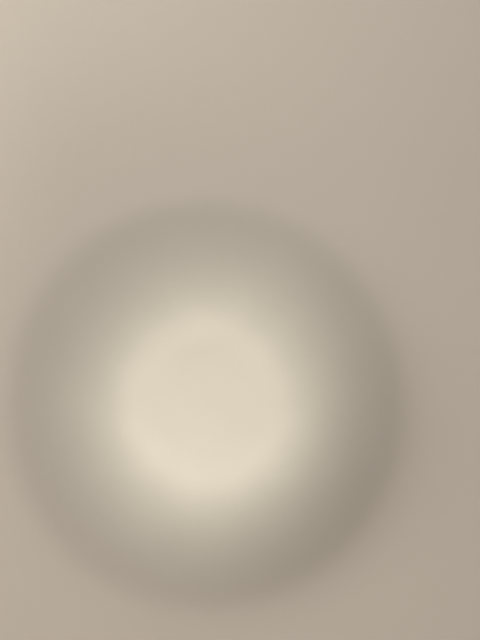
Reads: 1.50
